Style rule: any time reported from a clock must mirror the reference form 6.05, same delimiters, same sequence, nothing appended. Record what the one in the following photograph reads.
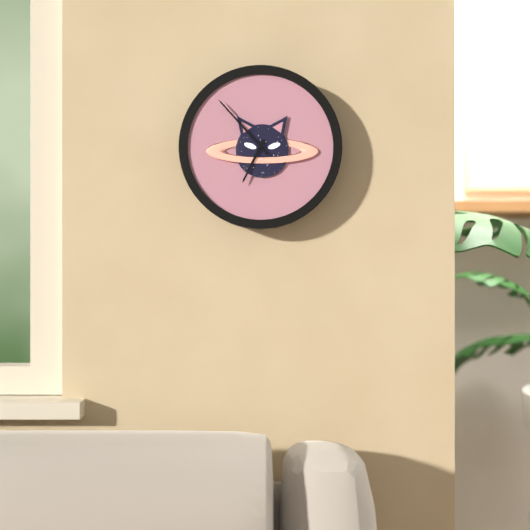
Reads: 6.53
